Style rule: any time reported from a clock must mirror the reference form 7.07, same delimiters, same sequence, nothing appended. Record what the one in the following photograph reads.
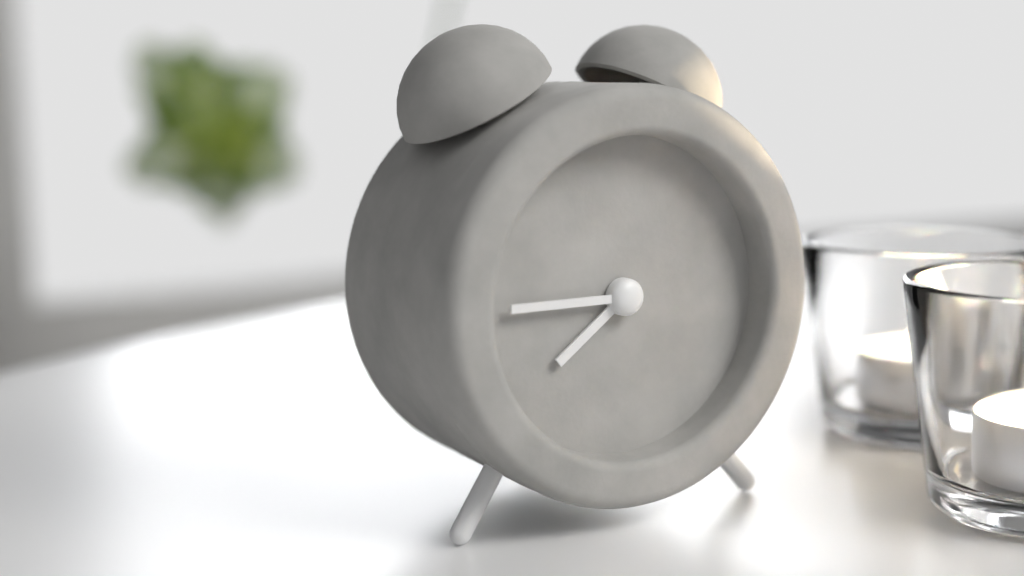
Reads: 7.45
